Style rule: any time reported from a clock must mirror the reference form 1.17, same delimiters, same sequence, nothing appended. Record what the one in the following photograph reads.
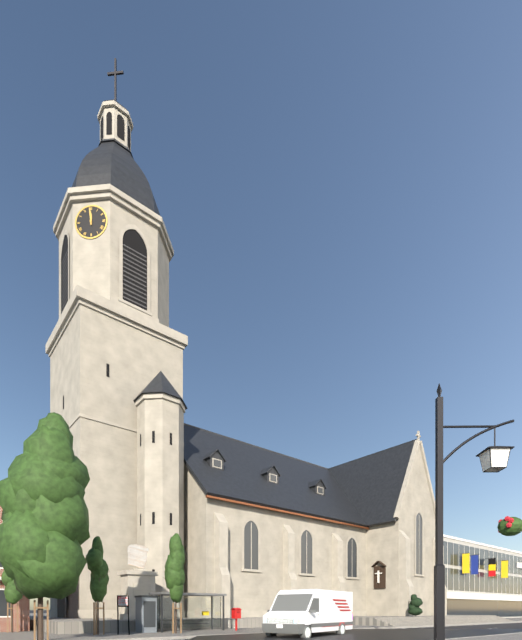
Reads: 11.59
